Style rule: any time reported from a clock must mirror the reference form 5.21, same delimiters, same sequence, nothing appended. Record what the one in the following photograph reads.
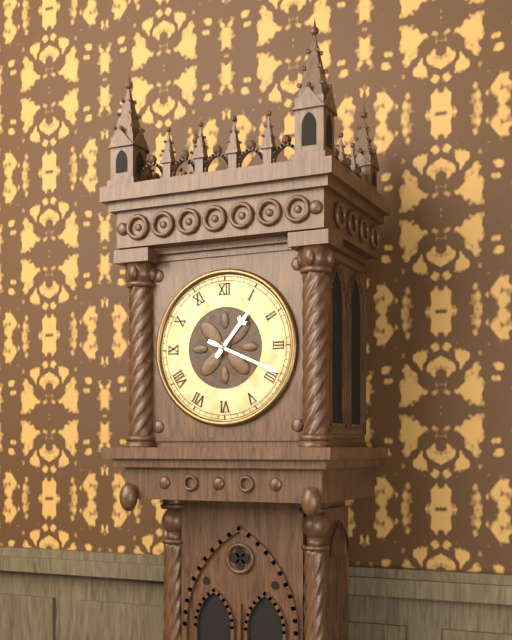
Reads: 1.19
